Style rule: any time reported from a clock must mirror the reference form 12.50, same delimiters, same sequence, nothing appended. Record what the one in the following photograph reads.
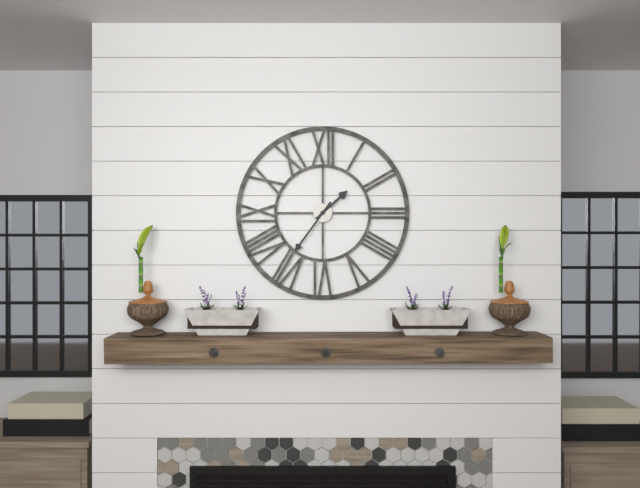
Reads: 1.36
